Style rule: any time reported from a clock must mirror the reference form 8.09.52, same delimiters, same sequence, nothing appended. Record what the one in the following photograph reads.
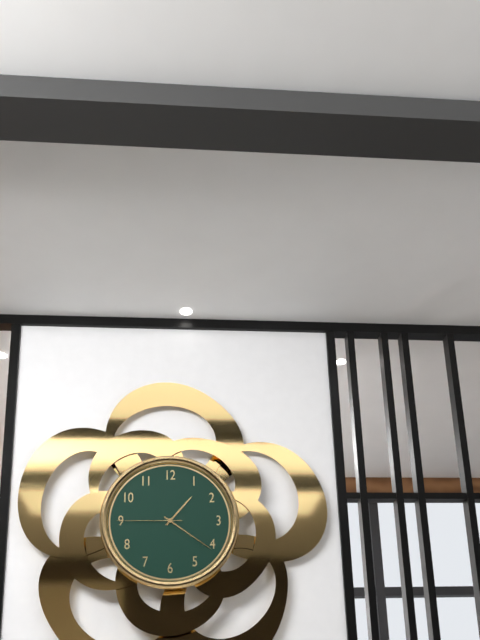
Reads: 1.21.45
